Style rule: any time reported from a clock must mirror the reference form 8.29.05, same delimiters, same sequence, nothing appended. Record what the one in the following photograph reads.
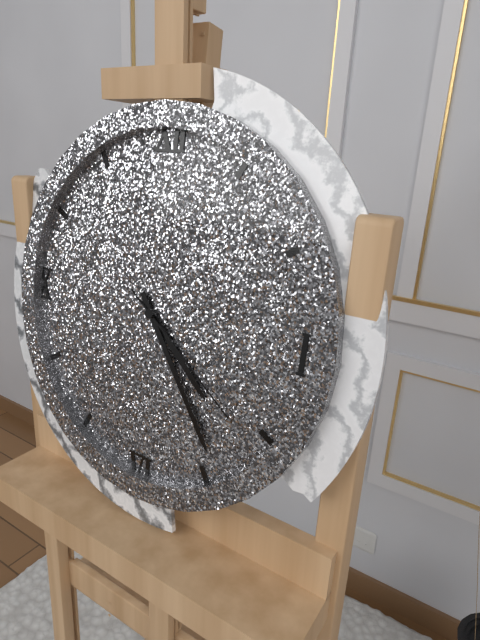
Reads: 4.24.21
